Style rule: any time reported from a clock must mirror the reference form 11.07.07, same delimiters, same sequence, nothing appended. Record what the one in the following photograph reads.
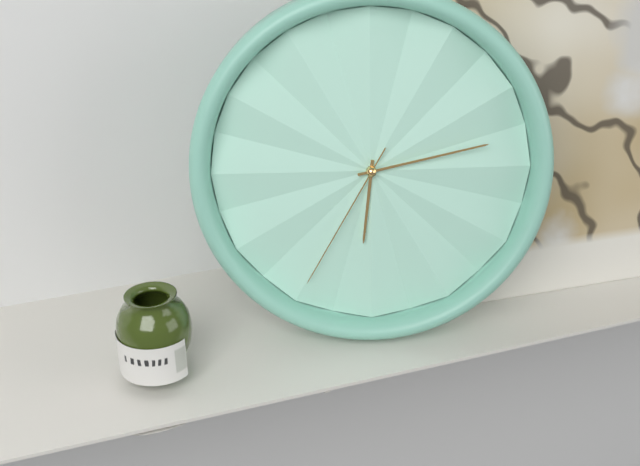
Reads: 6.13.35
